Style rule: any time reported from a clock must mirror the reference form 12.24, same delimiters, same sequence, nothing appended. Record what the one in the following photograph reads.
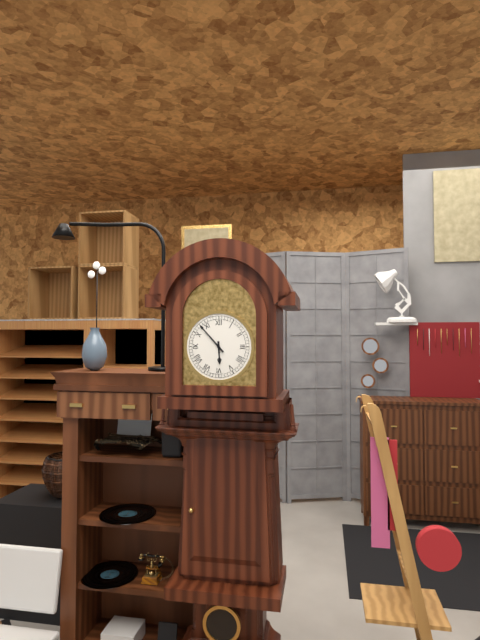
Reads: 5.53
